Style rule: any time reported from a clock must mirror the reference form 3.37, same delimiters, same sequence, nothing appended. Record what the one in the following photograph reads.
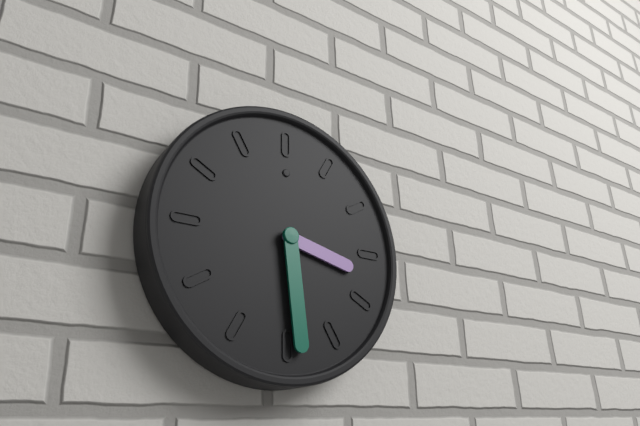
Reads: 3.29
